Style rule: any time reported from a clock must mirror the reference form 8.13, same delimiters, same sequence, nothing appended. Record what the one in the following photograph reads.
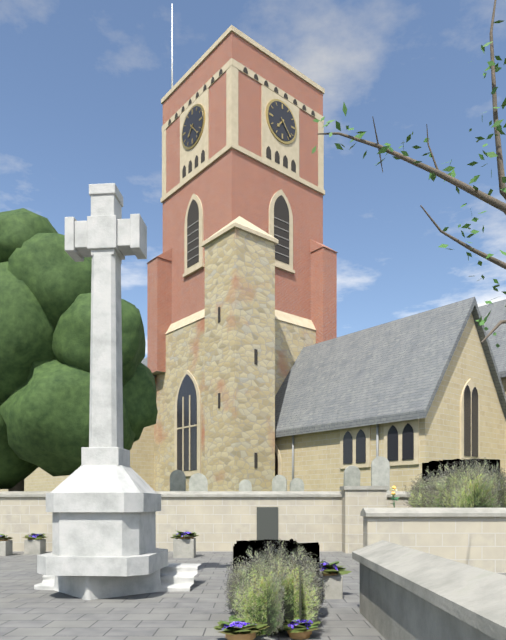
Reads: 7.23
